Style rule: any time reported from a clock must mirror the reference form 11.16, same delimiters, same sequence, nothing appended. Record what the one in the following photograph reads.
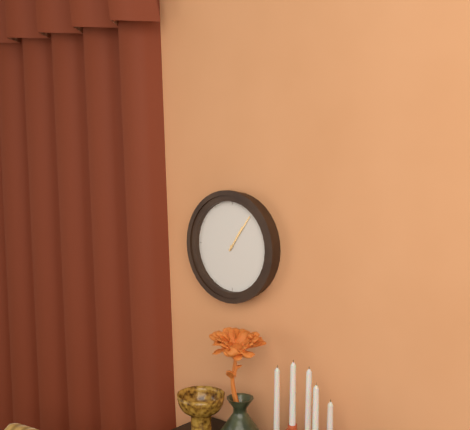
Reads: 1.06
